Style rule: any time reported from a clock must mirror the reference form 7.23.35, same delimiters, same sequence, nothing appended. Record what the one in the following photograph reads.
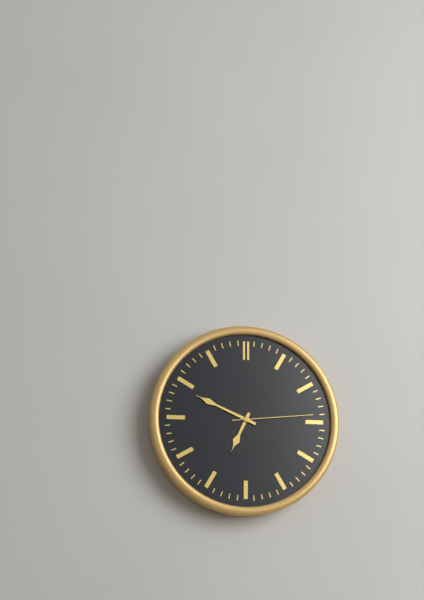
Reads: 6.49.14
